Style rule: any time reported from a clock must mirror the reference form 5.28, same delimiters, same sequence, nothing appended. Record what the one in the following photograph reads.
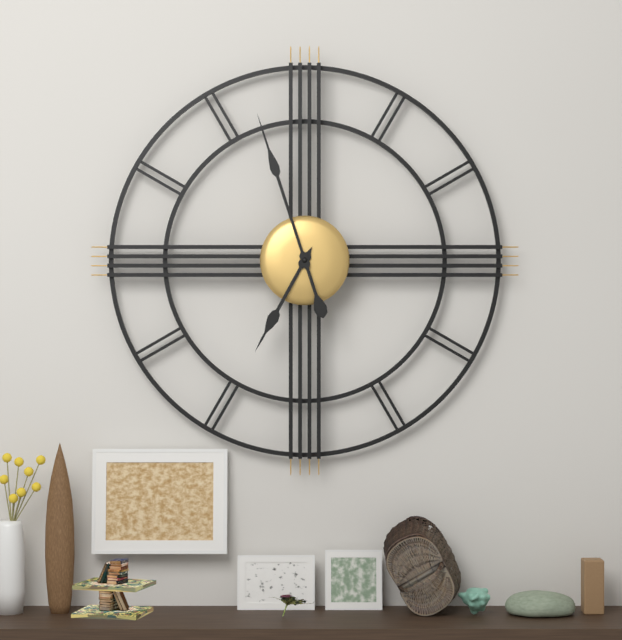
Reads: 6.57
